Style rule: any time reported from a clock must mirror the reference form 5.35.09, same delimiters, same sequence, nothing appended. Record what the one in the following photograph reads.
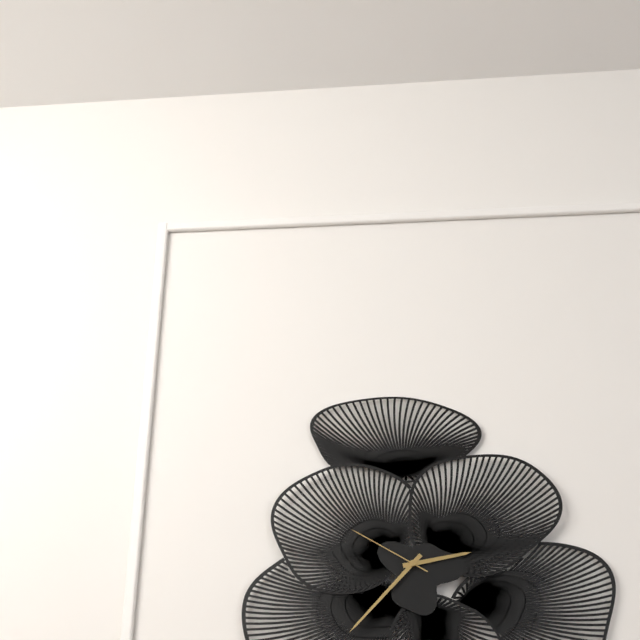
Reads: 2.37.50
